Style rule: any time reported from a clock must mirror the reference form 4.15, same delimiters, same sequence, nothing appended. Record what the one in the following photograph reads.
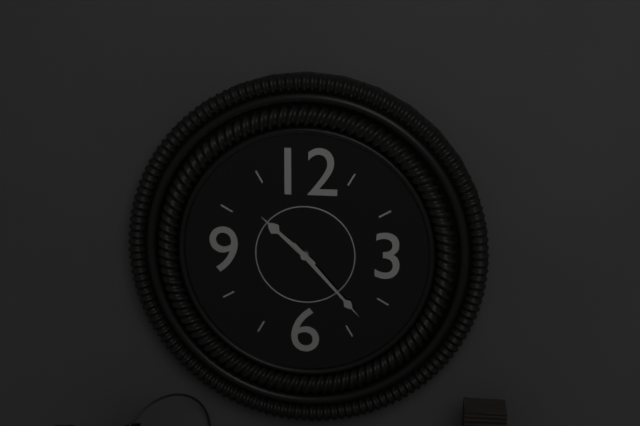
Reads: 10.23
